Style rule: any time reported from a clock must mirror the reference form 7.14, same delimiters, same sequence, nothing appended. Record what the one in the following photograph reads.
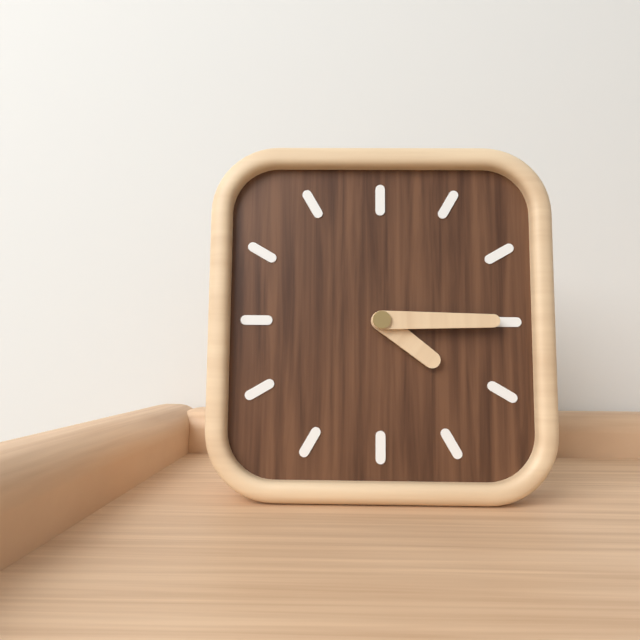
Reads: 4.15
